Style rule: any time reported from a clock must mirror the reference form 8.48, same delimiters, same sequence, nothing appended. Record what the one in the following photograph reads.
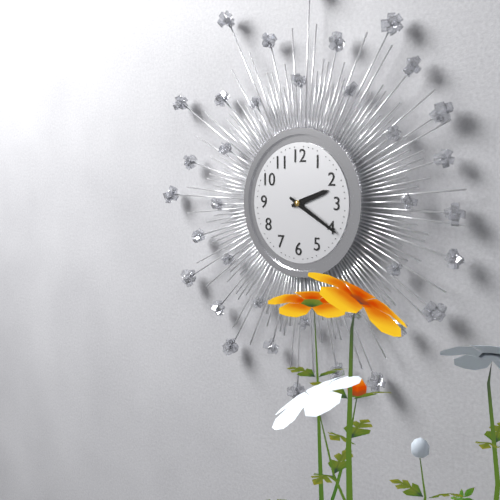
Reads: 2.20
